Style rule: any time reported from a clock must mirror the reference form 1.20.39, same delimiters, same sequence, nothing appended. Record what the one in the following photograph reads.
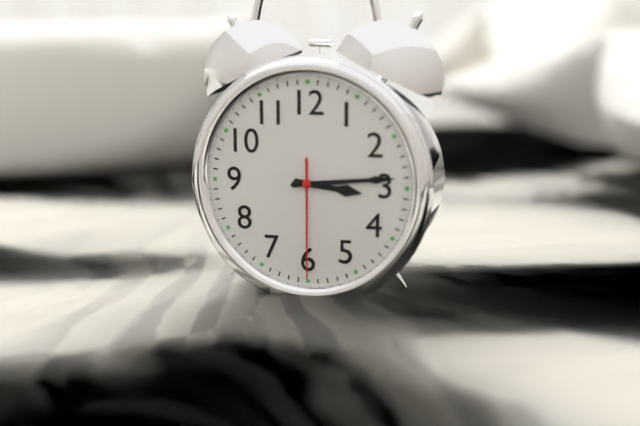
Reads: 3.14.30
